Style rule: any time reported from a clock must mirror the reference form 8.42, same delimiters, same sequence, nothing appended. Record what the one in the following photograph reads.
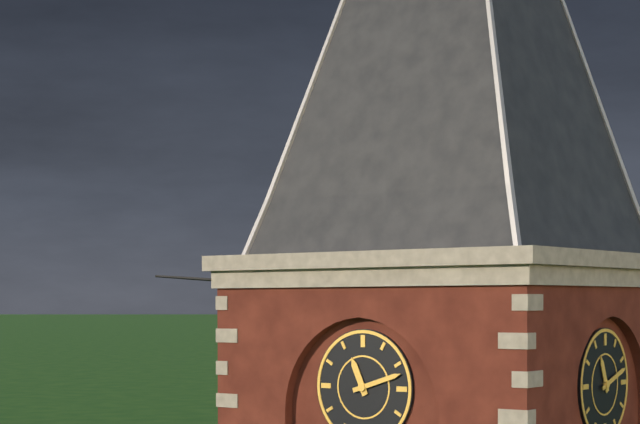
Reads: 11.12
